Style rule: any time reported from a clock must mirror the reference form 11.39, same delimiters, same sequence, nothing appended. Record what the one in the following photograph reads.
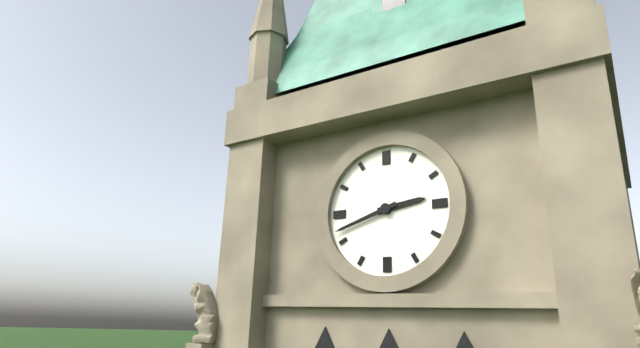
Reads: 2.42
